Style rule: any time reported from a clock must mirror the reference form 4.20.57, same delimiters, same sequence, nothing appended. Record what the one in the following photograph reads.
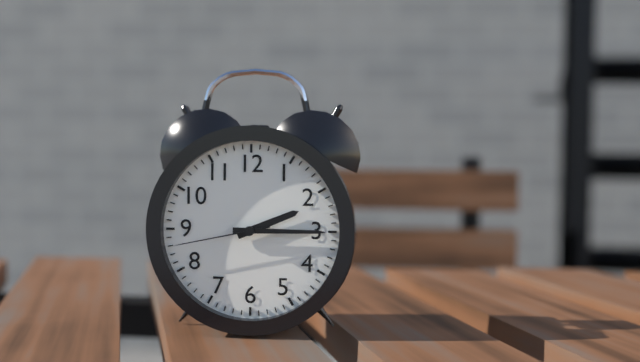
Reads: 2.15.43
